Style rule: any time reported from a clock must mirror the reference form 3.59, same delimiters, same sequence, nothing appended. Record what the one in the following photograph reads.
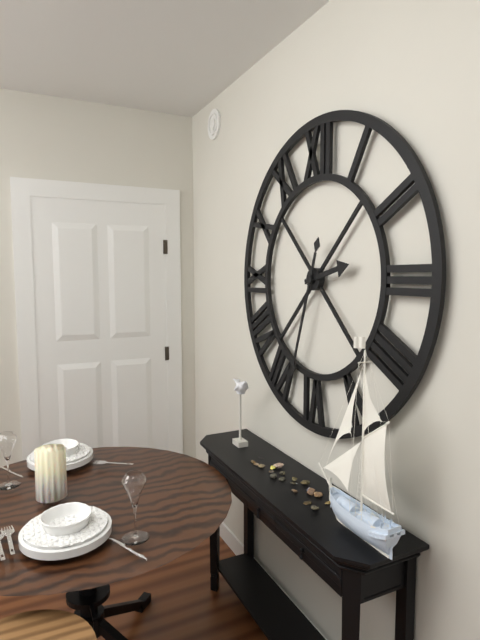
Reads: 2.33
